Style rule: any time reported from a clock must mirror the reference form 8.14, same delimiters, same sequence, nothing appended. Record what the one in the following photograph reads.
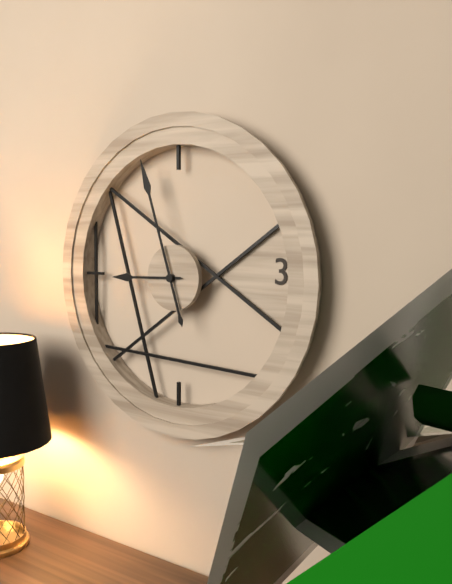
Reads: 8.57
